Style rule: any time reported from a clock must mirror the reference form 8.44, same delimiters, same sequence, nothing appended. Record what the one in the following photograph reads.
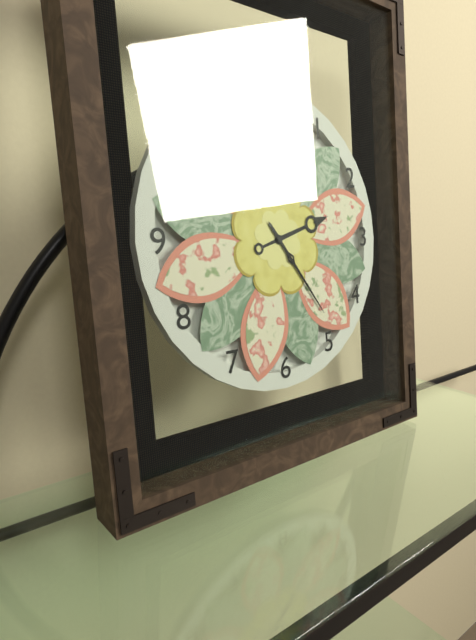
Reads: 2.24
